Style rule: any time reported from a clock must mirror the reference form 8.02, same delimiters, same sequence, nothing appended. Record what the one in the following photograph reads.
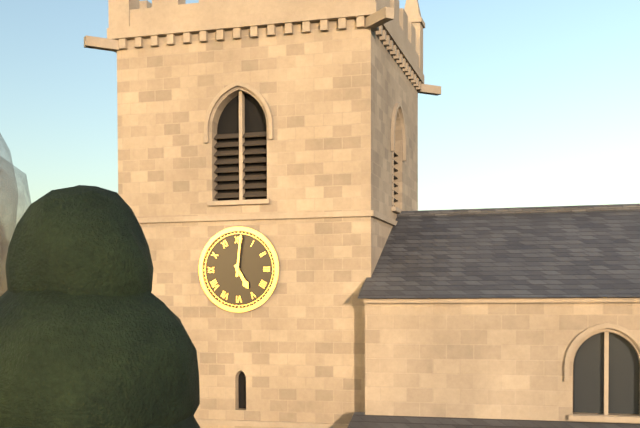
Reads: 5.01
